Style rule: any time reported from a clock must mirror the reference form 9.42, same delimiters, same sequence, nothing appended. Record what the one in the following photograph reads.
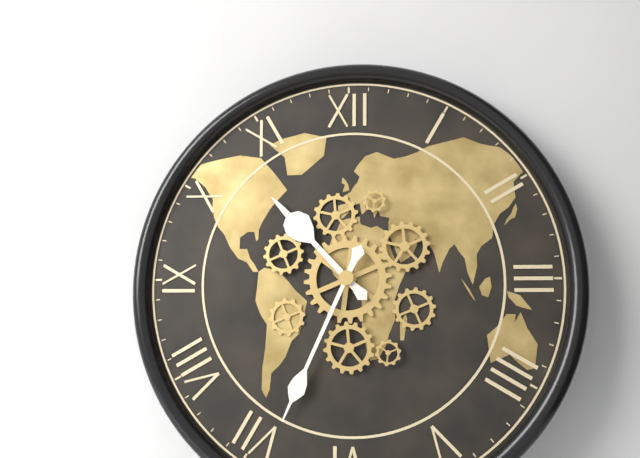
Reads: 10.34
